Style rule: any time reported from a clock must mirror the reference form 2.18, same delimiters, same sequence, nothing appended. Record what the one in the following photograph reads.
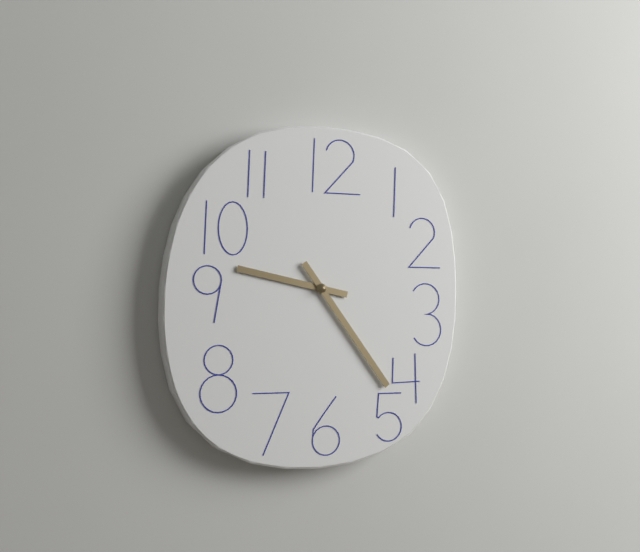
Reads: 9.24
